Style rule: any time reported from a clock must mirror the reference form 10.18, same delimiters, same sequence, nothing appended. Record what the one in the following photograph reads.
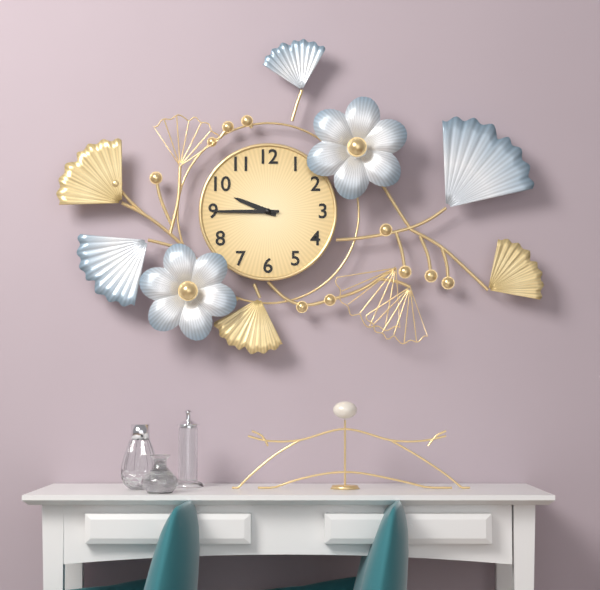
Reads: 9.45
